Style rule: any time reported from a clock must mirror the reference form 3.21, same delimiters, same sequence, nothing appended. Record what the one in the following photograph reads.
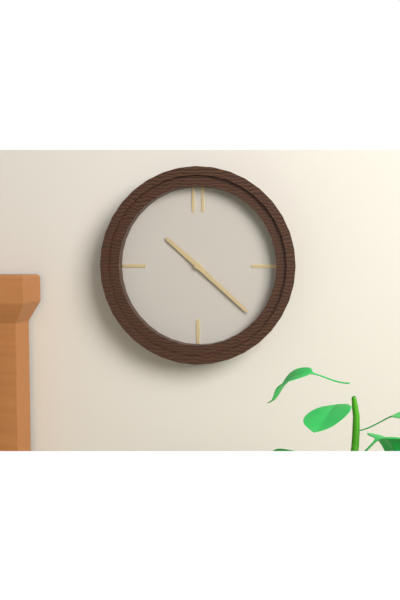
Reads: 10.22
